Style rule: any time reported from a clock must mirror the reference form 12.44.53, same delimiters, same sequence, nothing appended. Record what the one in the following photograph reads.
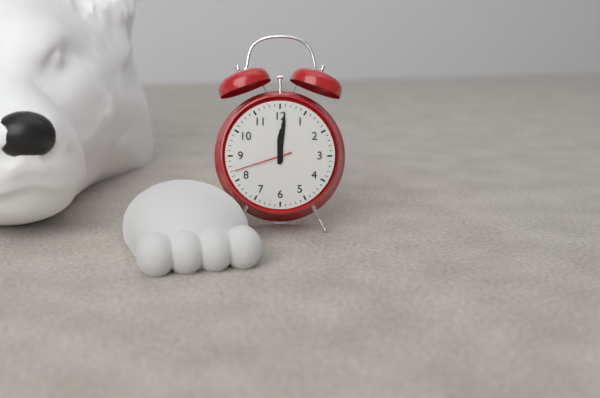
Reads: 12.01.42
